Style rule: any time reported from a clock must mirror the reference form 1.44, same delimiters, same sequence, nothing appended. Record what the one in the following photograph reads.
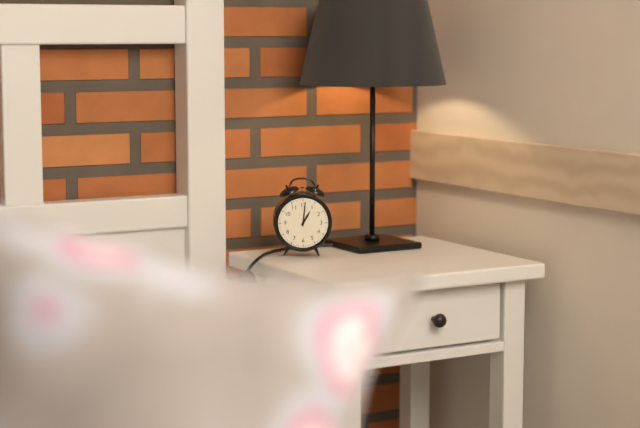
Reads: 1.01
